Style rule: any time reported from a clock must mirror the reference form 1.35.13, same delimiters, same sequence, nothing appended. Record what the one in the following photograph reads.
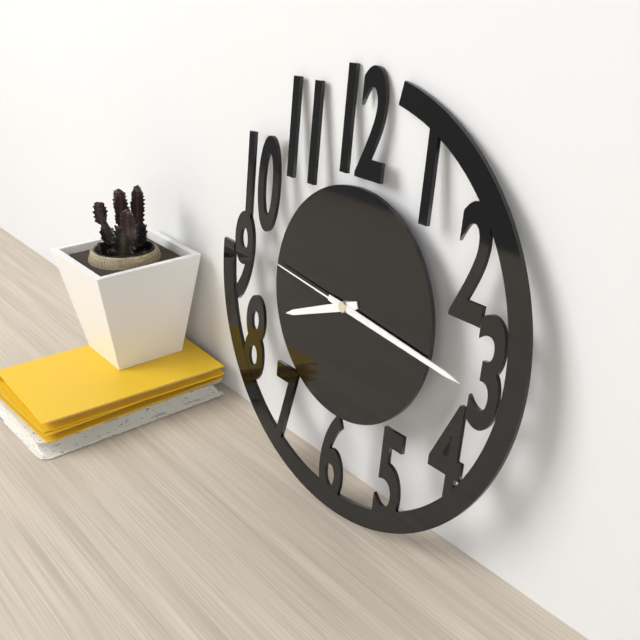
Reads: 8.16.46
